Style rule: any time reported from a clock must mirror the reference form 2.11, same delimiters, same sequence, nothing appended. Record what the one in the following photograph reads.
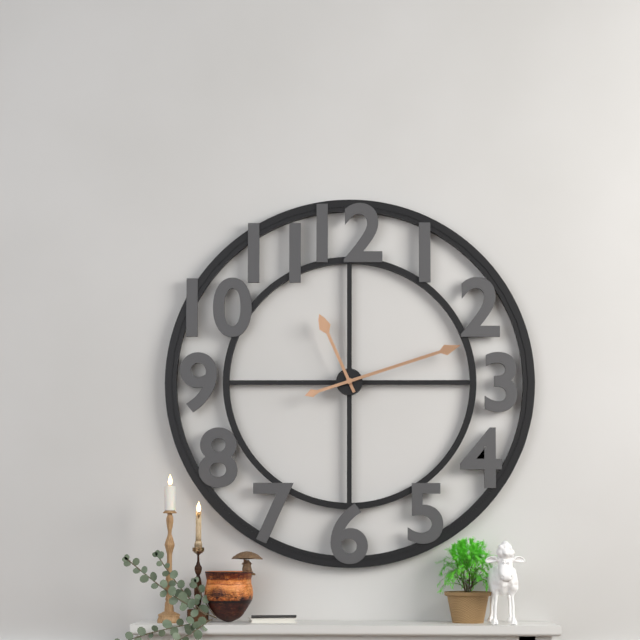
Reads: 11.12
